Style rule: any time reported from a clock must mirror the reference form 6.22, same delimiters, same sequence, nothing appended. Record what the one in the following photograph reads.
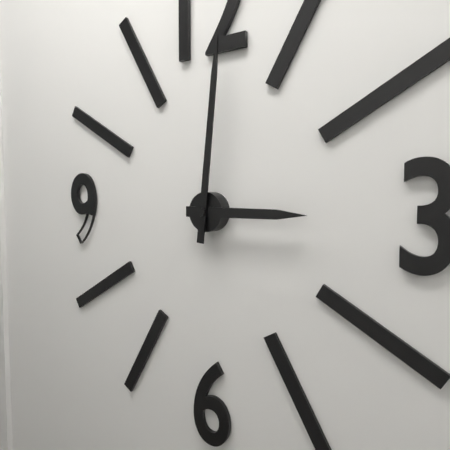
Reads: 3.01
